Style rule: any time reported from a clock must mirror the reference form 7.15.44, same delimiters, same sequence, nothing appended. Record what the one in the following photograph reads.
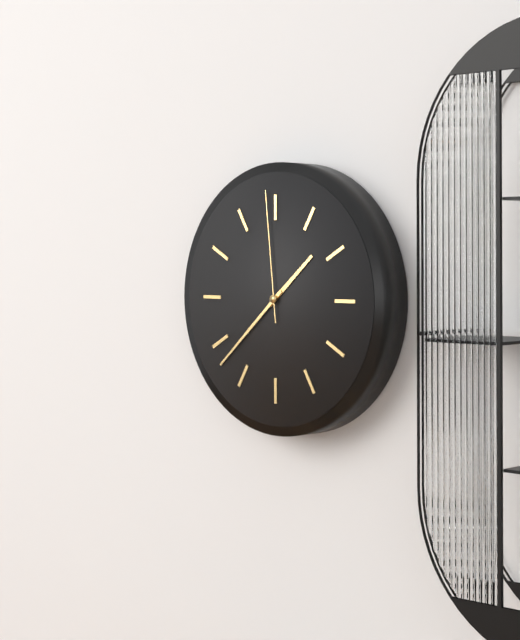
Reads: 1.38.59
